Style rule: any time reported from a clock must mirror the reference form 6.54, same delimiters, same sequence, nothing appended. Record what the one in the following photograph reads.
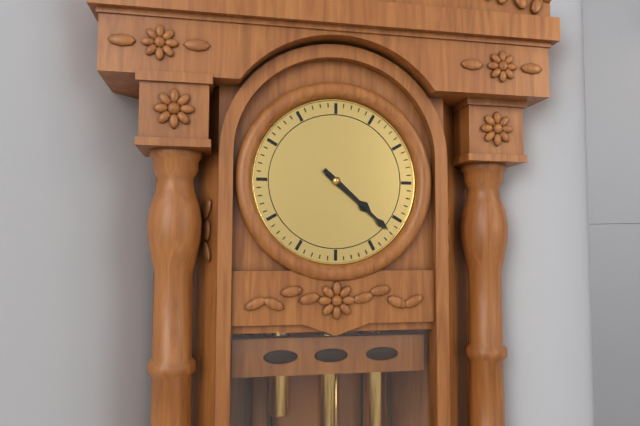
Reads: 4.22
